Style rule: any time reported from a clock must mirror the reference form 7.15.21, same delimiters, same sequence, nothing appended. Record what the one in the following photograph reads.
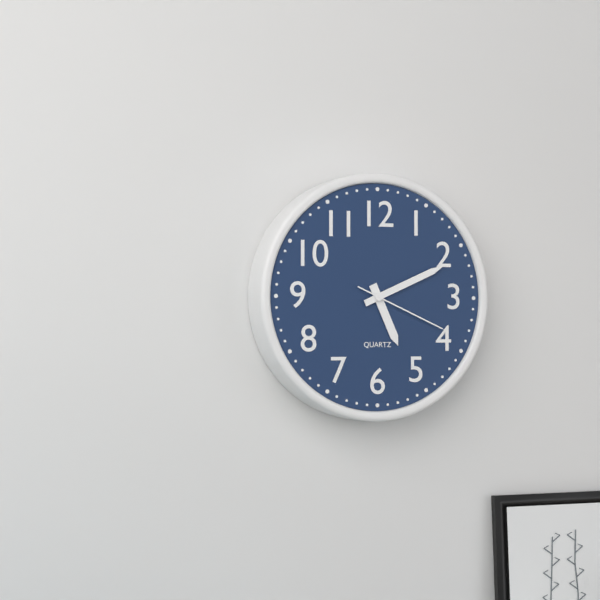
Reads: 5.11.19
